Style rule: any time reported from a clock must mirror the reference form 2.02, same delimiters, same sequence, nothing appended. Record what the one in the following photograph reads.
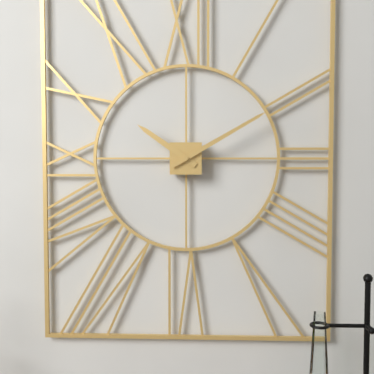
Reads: 10.10
